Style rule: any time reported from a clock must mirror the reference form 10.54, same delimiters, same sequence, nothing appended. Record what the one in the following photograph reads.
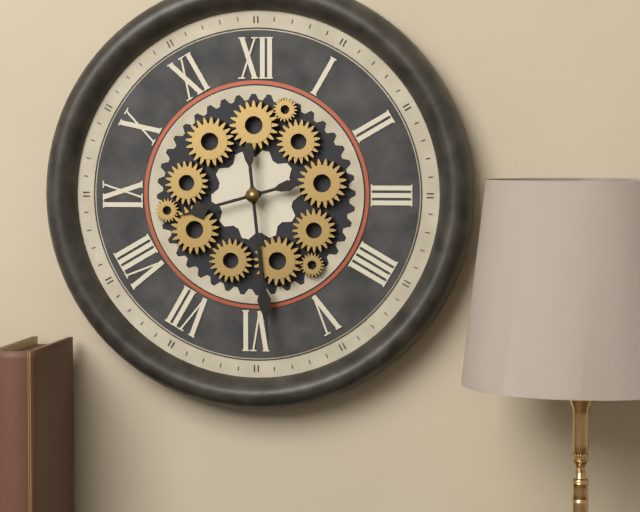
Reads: 8.29
